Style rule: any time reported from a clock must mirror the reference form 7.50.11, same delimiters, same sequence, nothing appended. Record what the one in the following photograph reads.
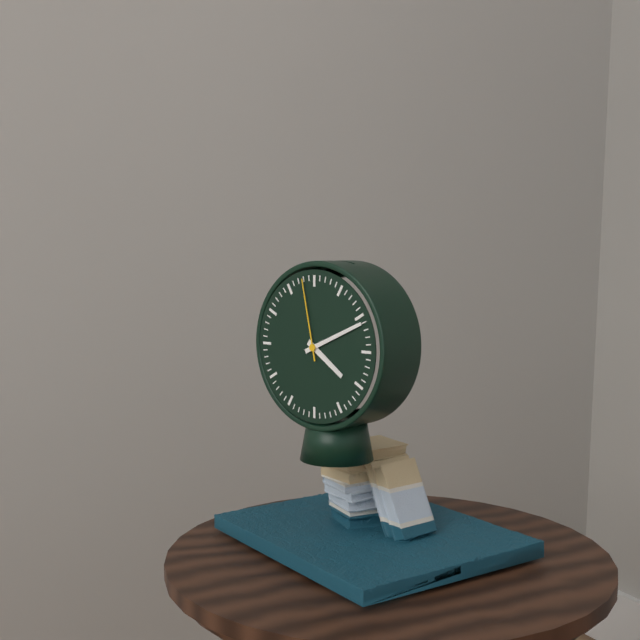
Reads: 4.11.58
